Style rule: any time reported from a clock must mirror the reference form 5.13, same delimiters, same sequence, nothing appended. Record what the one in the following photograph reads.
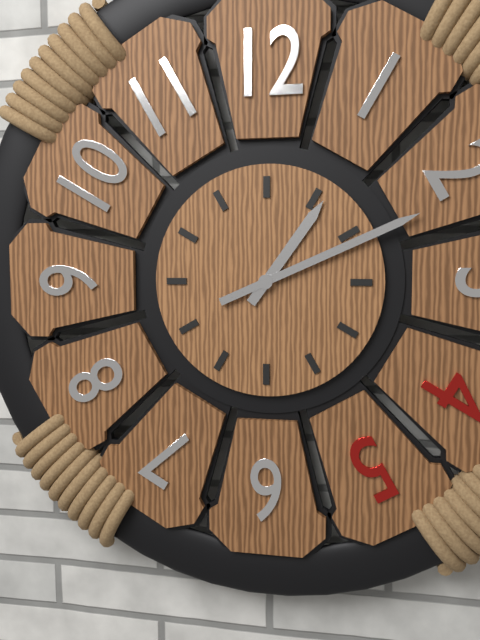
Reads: 1.11
